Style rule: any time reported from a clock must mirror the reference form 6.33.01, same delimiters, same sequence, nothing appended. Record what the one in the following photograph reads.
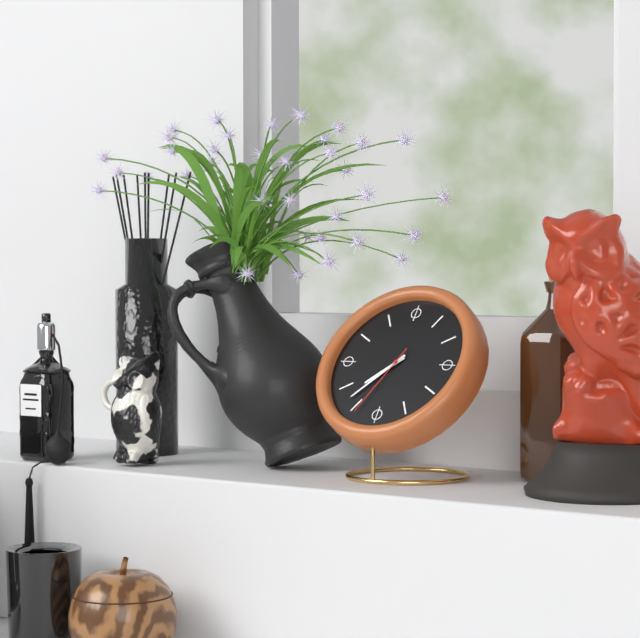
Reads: 7.37.34
